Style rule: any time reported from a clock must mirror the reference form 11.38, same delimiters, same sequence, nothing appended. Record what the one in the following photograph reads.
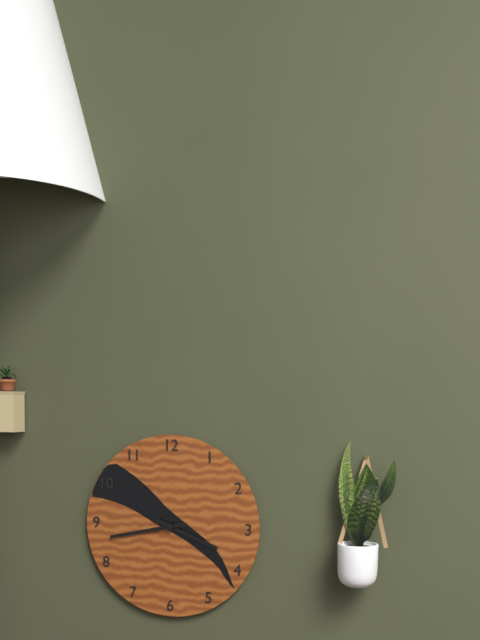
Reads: 3.43
